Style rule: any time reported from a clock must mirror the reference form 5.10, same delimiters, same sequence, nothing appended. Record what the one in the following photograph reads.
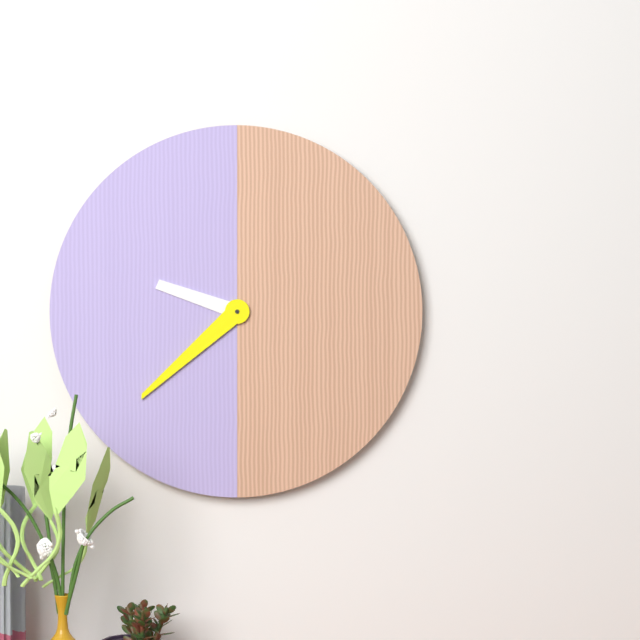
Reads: 9.38
